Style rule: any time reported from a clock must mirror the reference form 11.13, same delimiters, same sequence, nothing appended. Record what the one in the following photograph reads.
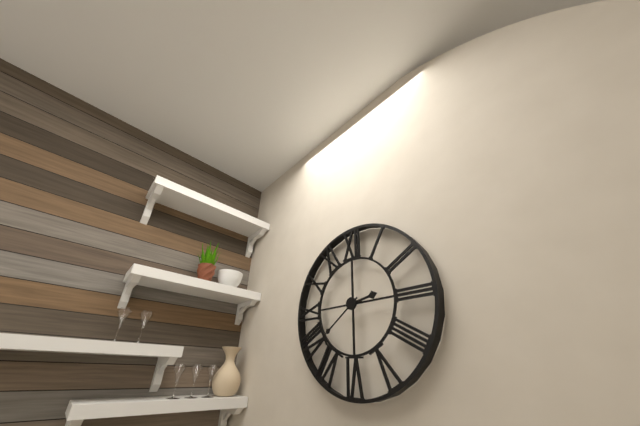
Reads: 2.39
